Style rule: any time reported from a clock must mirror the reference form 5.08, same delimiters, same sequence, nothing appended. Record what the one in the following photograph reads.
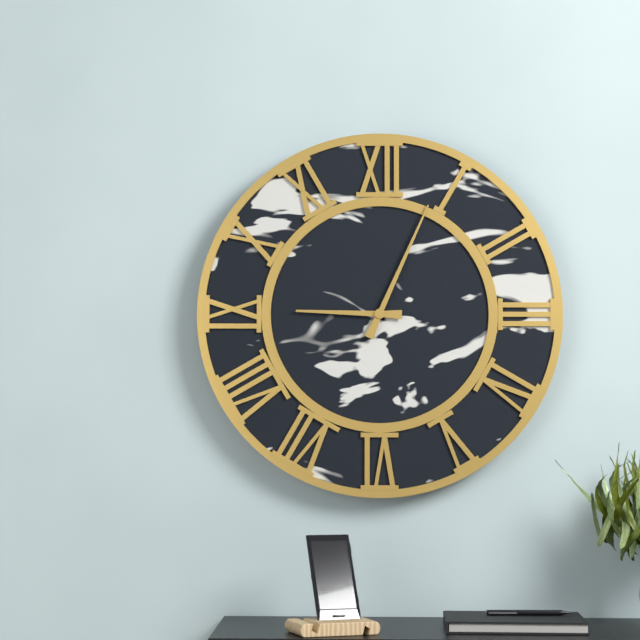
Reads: 9.04
